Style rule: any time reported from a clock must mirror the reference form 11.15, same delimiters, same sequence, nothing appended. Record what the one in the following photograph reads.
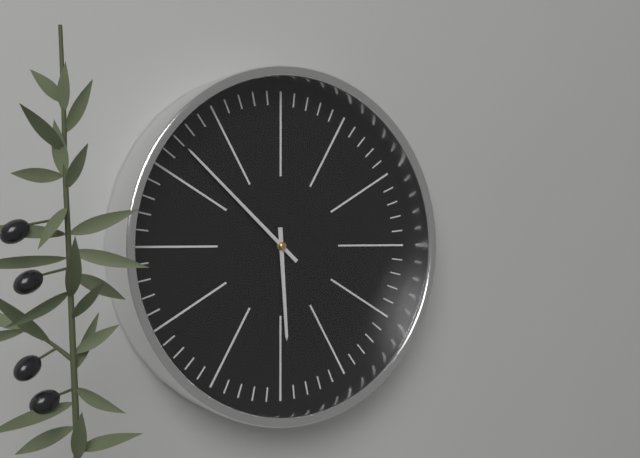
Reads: 5.52
